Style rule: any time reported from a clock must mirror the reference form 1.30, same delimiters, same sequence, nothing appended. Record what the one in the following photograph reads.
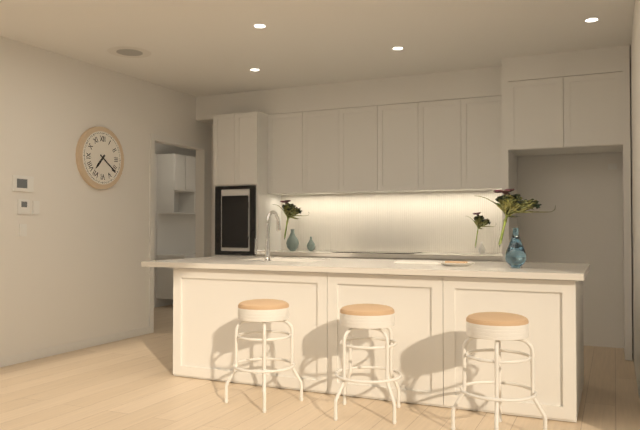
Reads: 7.21
